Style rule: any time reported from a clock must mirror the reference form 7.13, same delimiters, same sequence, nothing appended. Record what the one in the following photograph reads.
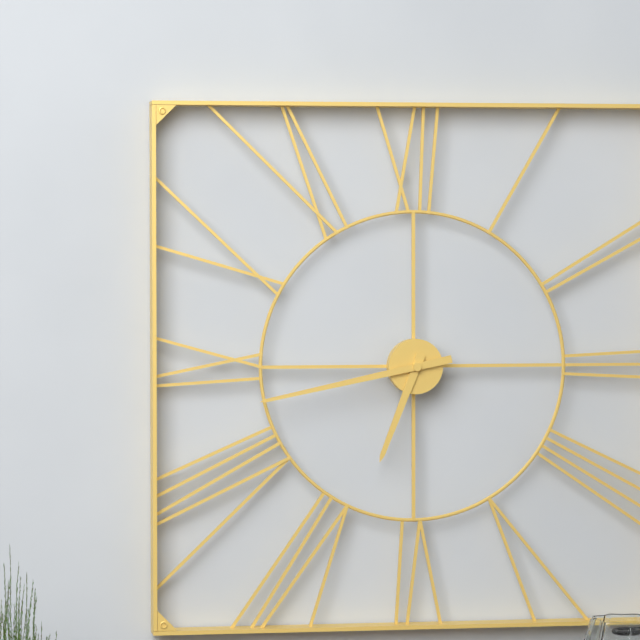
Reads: 6.43
